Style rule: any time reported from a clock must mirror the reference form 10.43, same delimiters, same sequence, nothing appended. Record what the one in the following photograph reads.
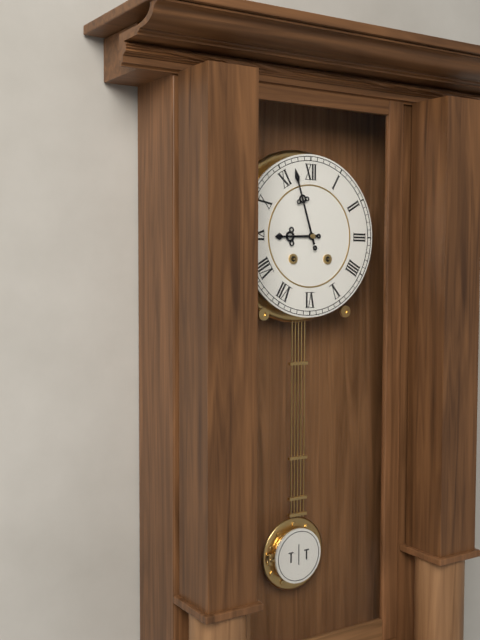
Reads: 8.57
